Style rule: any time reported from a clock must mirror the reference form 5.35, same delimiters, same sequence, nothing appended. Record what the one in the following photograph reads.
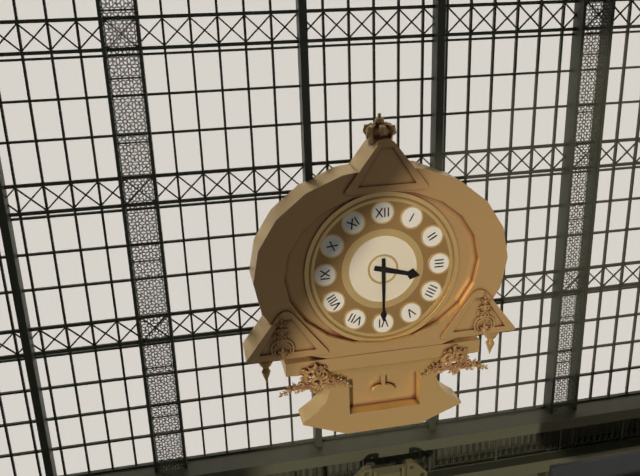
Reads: 3.30
